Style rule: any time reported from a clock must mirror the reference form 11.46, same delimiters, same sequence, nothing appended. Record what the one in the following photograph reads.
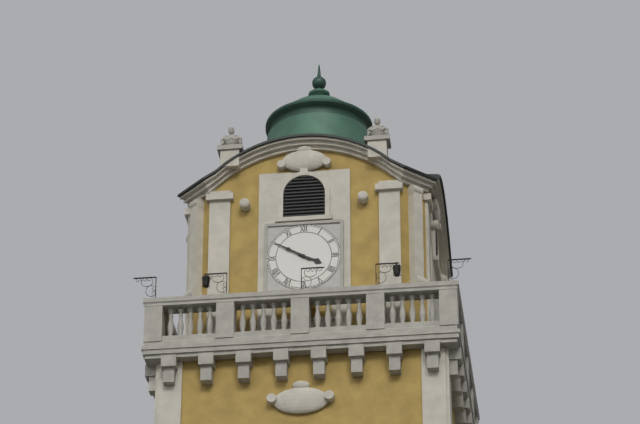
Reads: 3.50
